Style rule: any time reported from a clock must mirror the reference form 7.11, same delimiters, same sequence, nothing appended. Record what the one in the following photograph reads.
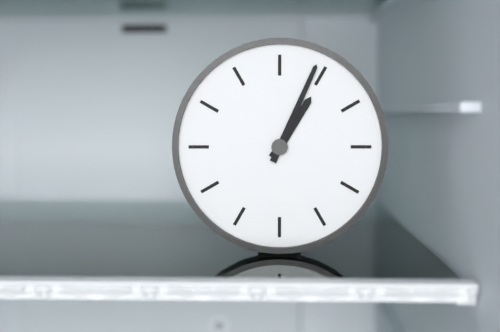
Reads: 1.04
